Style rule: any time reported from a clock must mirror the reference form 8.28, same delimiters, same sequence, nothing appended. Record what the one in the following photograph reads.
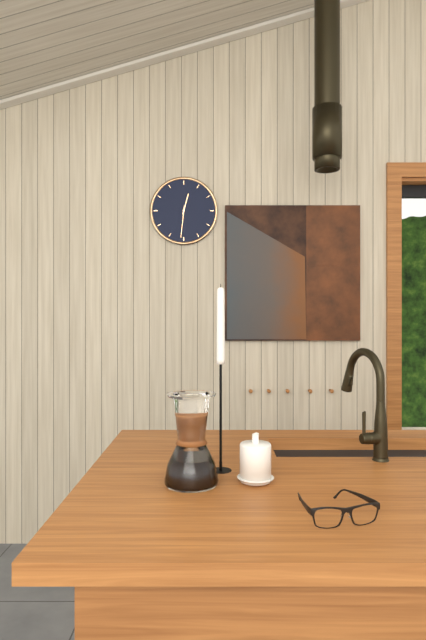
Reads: 12.31
